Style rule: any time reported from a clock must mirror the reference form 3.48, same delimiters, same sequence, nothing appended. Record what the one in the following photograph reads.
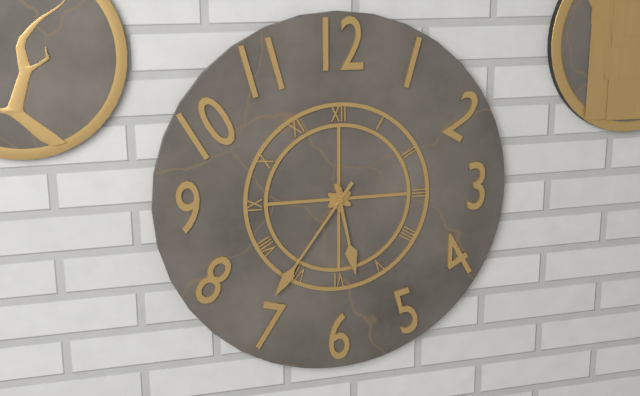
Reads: 5.36
